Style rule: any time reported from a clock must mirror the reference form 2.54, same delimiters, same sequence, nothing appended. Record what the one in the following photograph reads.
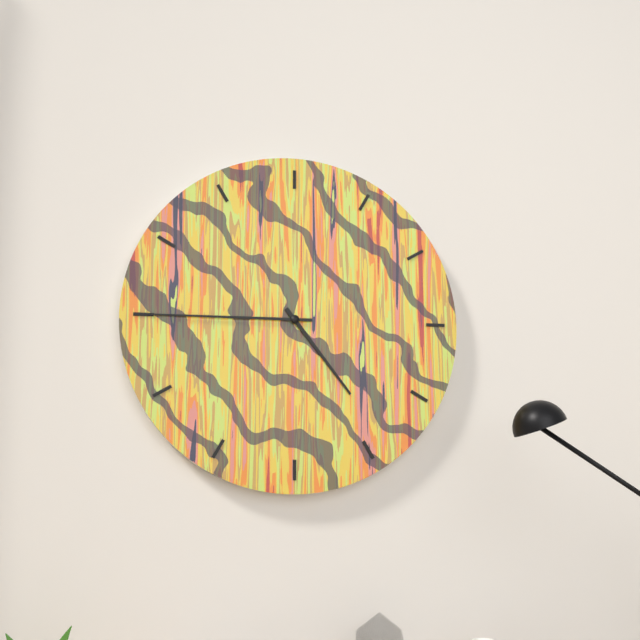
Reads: 4.45
